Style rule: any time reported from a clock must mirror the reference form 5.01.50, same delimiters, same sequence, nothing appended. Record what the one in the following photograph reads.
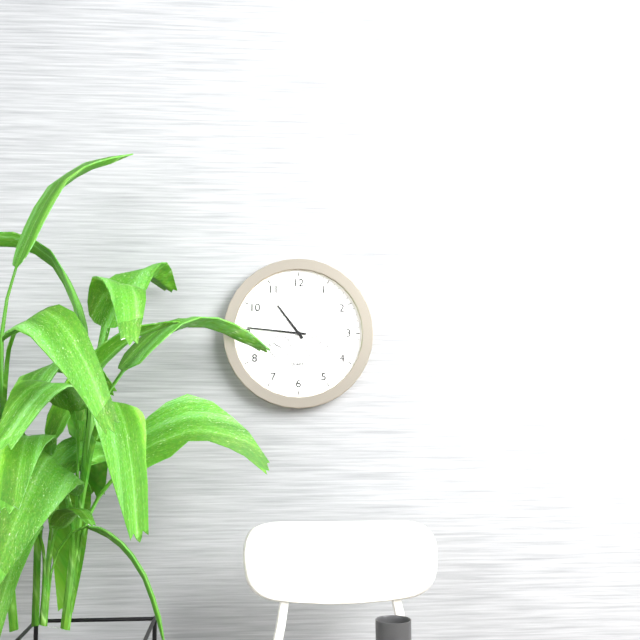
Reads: 10.46.40
